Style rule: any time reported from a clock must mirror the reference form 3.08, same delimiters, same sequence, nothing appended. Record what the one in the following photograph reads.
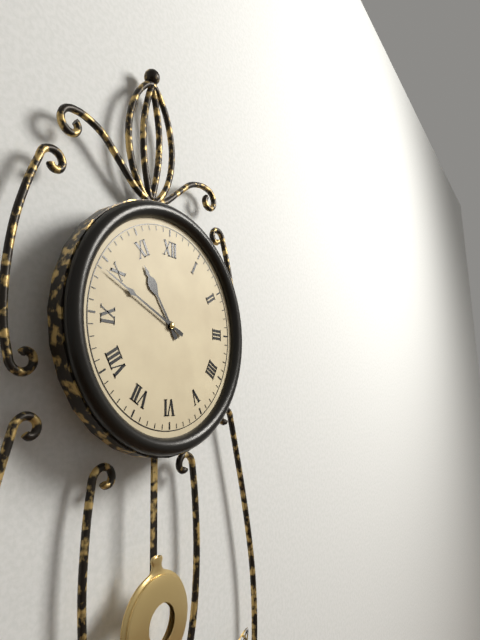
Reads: 10.49
